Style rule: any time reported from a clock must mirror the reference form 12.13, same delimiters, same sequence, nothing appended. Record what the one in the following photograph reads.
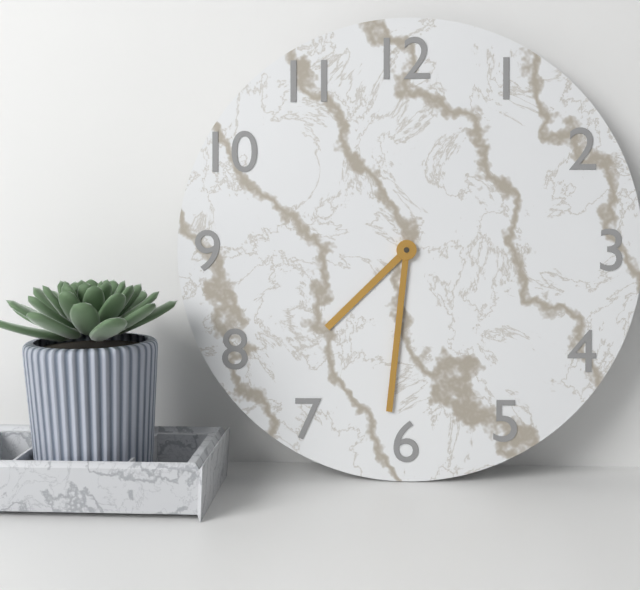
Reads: 7.31
